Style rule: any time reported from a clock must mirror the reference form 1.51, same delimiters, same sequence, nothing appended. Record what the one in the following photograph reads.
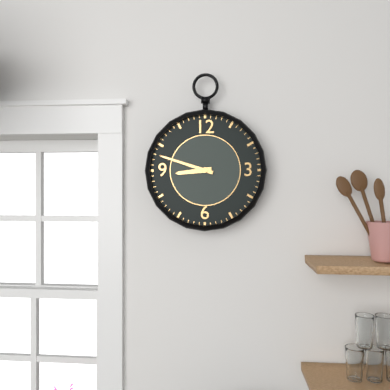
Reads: 8.48
